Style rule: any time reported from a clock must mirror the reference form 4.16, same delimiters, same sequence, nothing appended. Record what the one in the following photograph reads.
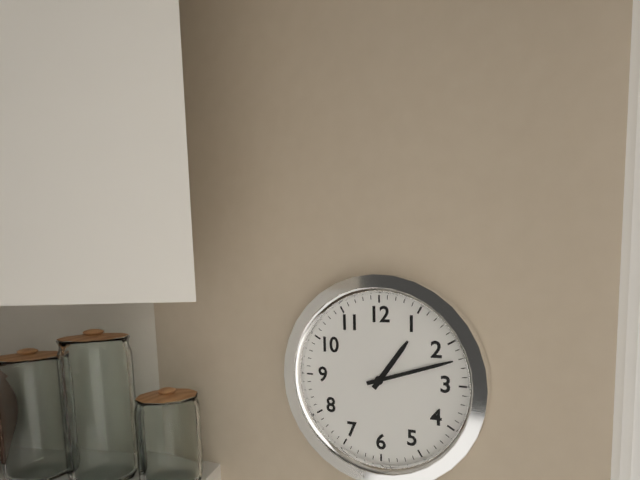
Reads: 1.12
